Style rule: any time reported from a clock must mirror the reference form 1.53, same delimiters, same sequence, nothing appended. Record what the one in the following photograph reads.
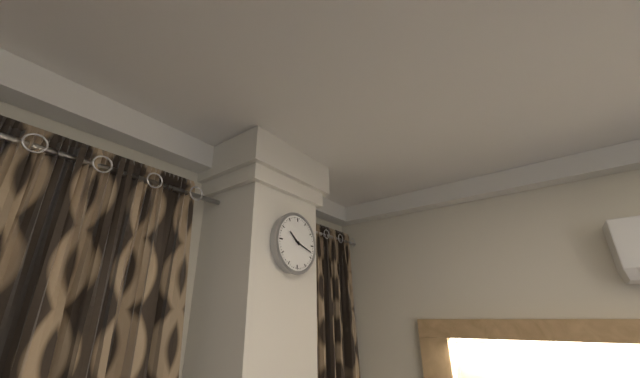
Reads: 10.18
